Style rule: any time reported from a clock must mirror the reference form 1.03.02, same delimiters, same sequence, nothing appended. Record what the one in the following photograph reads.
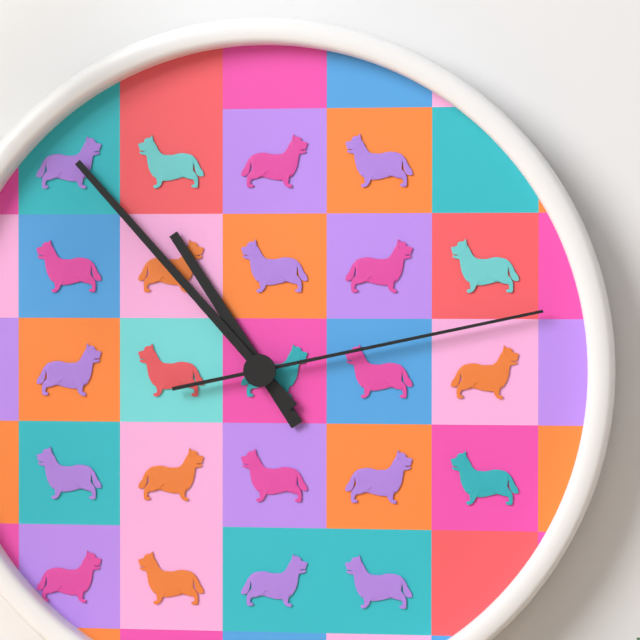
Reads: 10.53.13
